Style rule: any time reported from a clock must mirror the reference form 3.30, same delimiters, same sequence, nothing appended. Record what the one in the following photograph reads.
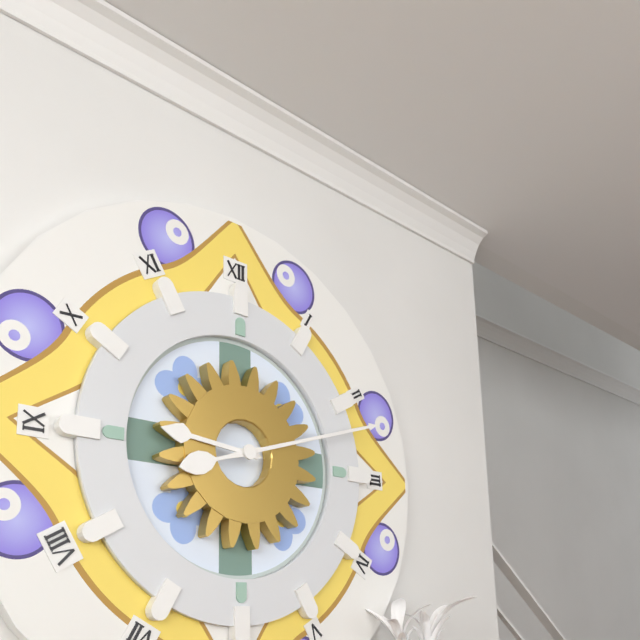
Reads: 9.12
